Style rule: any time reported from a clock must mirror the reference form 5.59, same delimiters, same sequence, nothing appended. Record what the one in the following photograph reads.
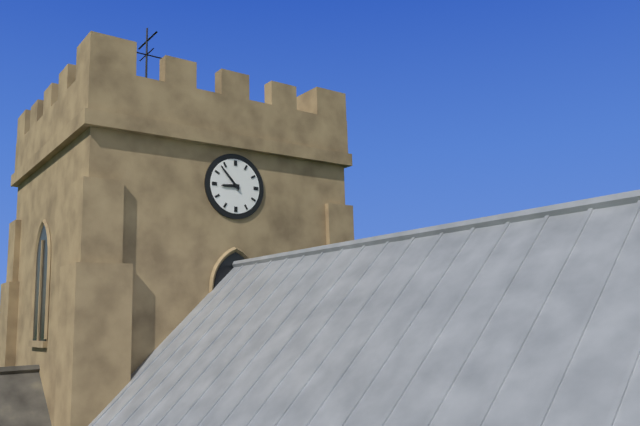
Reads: 8.53
